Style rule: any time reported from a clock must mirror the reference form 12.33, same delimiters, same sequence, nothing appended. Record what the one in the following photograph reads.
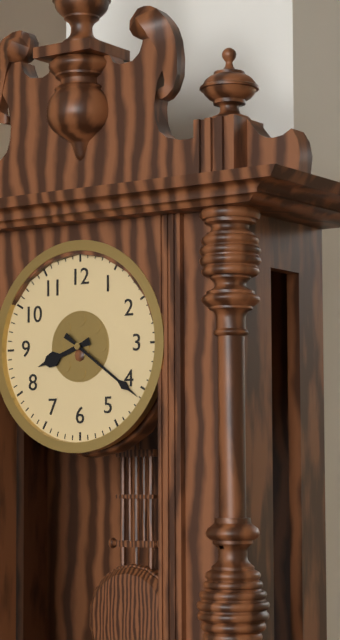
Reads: 8.21
